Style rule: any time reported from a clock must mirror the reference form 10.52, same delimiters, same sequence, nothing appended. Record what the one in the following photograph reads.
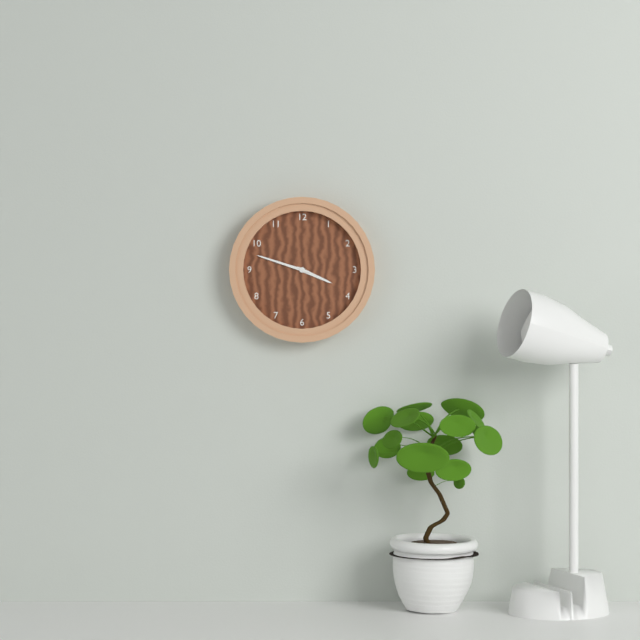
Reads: 3.48
